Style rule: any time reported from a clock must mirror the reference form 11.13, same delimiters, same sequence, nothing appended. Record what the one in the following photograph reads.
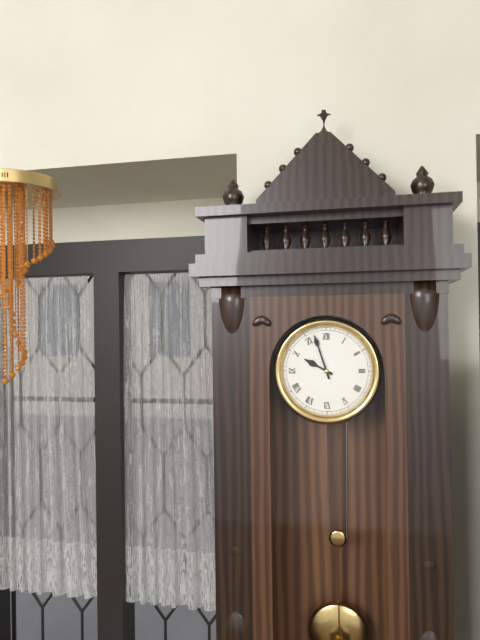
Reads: 9.57
